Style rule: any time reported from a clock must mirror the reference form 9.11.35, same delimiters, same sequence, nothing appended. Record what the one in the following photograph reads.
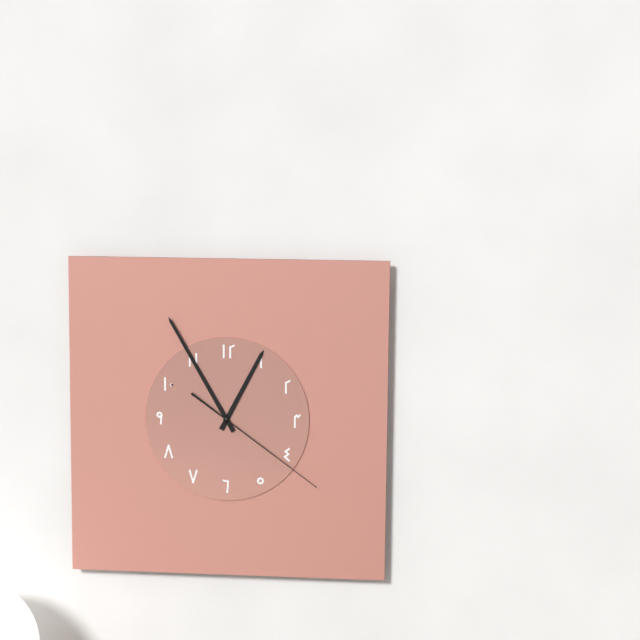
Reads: 12.55.21
